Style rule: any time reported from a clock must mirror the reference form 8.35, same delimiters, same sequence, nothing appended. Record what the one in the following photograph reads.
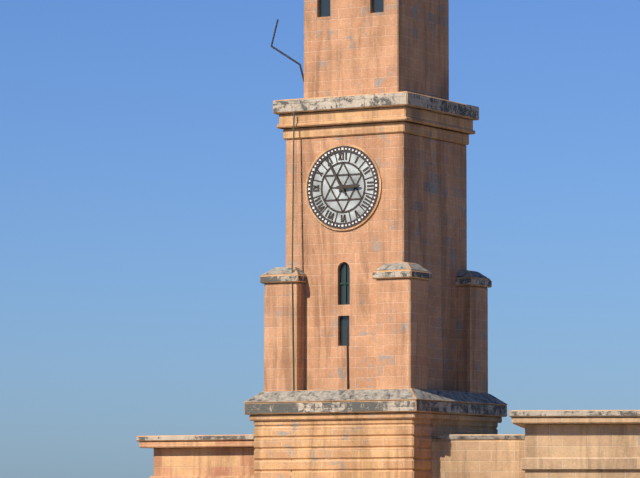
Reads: 2.55
